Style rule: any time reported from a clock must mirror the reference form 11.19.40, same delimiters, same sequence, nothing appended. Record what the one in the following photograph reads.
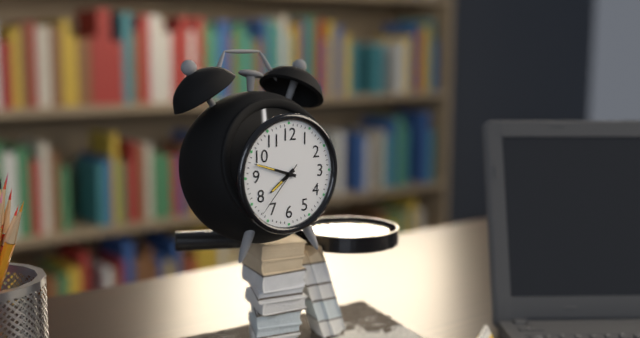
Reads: 7.48.37
